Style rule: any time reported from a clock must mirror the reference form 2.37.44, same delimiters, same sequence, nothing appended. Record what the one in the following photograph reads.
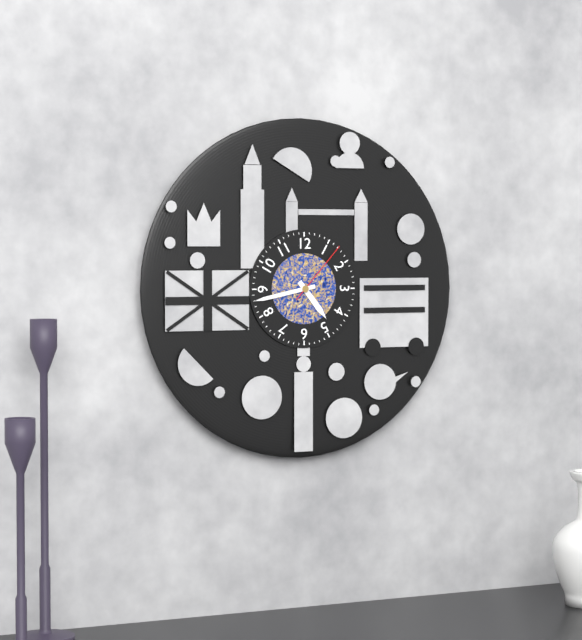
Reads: 4.43.07
